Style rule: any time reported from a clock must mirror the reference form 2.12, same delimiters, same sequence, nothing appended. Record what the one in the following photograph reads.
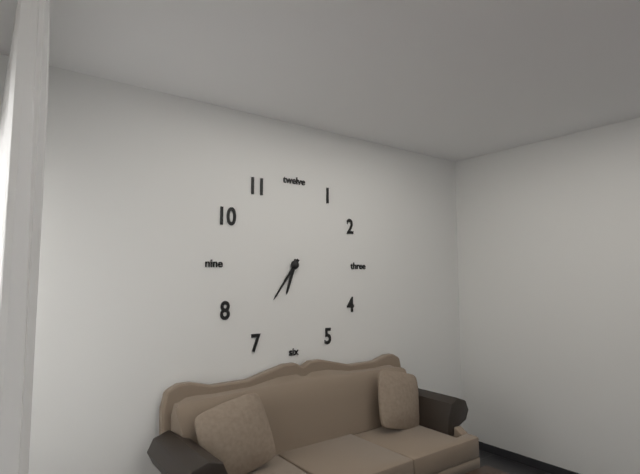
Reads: 6.36
